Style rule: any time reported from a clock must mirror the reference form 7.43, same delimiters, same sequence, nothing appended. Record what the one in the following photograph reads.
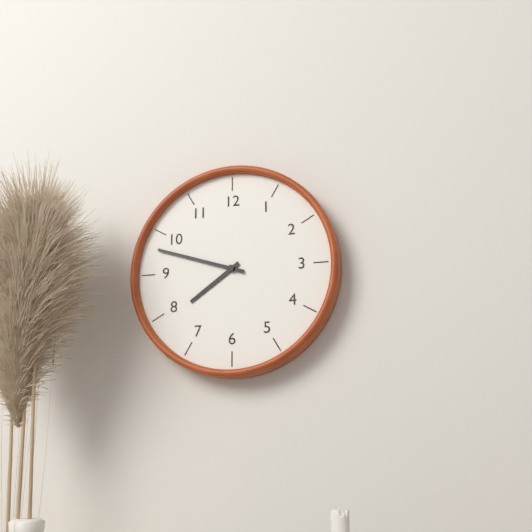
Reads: 7.48
